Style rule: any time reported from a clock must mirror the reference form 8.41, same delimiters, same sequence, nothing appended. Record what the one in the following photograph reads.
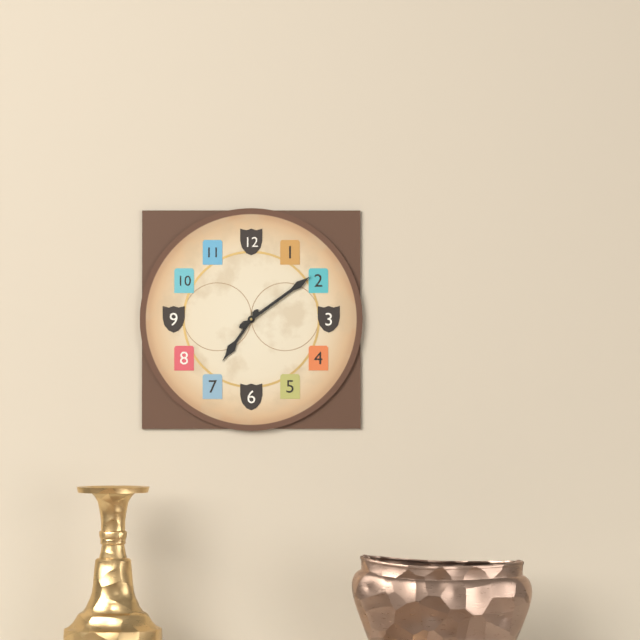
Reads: 7.09
